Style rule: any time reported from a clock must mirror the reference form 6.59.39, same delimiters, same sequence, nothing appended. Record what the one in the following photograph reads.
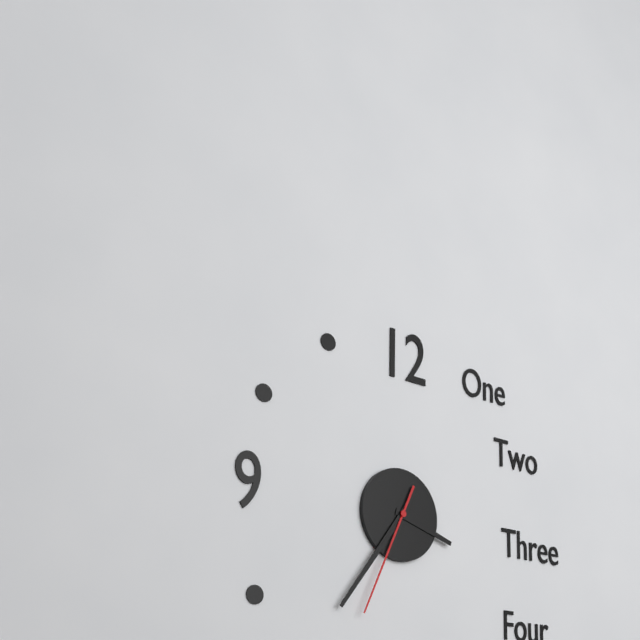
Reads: 3.36.34
